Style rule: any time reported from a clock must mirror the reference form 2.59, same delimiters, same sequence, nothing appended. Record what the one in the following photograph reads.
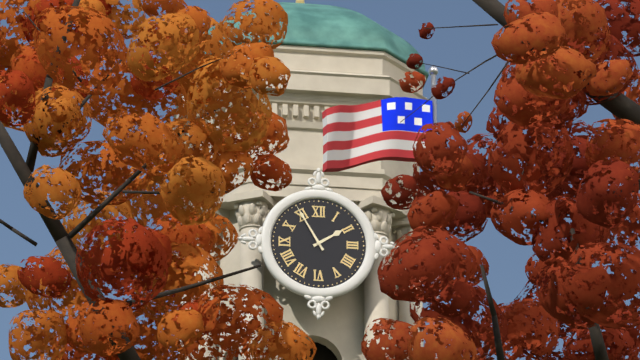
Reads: 1.55
